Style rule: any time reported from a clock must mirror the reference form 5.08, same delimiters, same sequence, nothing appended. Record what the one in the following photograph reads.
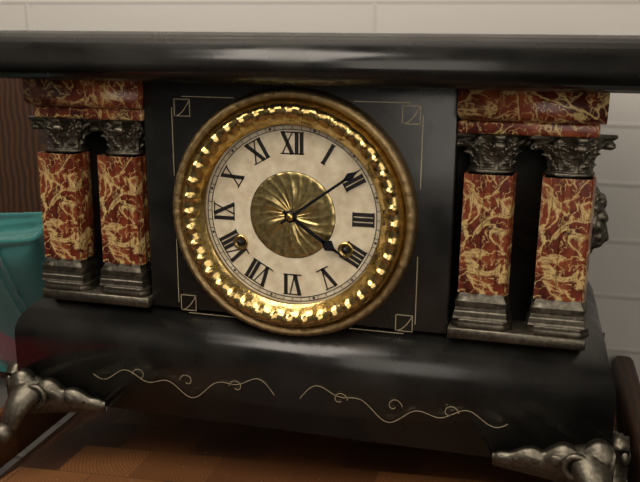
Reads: 4.09
